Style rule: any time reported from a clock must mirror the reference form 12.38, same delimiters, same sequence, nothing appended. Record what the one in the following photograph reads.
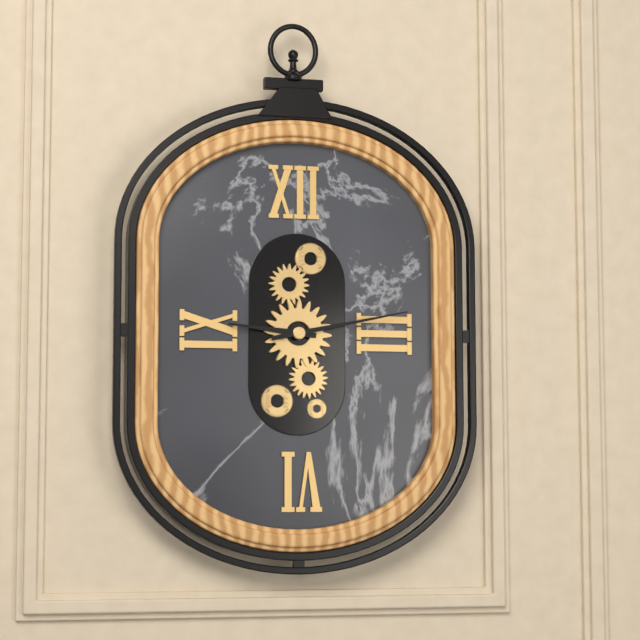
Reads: 9.13
